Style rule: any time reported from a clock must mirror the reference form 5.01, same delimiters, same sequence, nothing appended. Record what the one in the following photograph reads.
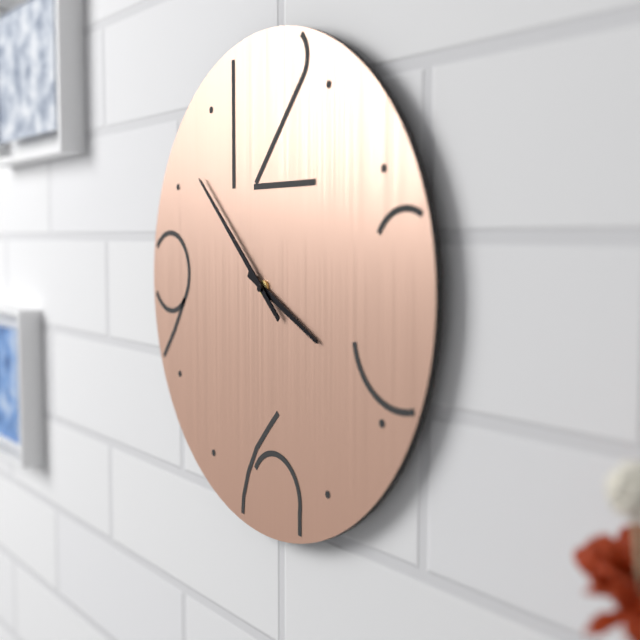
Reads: 3.52
